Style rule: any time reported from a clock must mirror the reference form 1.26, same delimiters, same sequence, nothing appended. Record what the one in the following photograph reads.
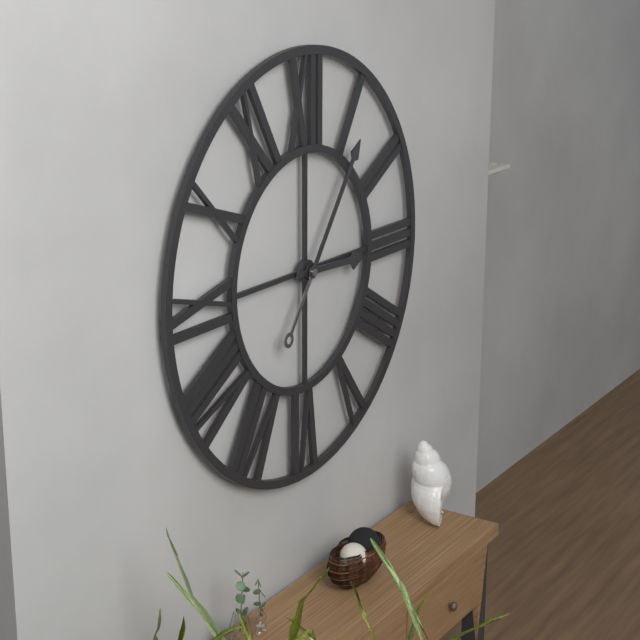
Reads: 3.06
